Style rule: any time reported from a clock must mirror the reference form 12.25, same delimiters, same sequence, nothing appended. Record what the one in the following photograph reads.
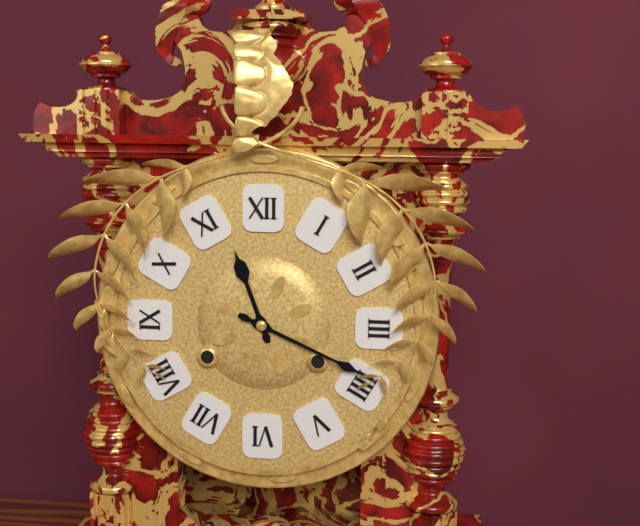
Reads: 11.19
